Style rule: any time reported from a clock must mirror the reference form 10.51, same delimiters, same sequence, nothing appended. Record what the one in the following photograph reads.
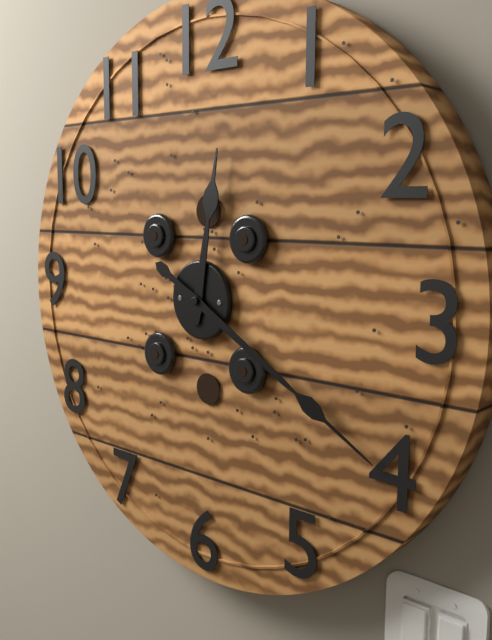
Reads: 12.20
